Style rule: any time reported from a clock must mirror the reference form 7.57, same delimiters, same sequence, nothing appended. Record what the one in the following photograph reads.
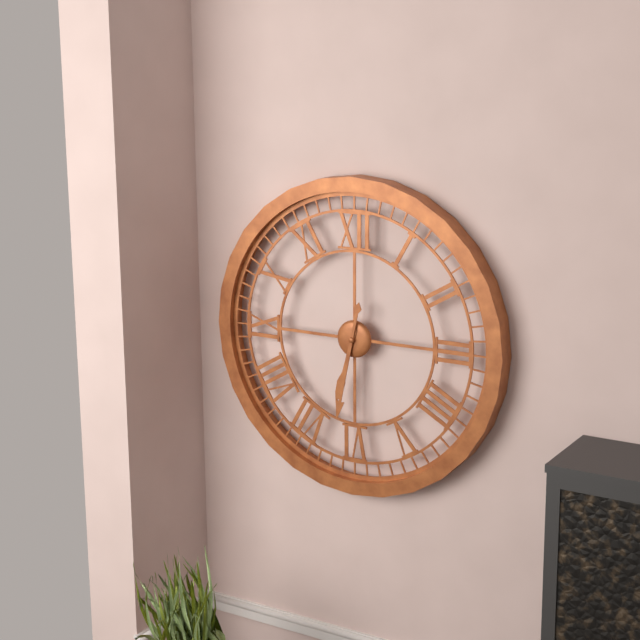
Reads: 6.32
